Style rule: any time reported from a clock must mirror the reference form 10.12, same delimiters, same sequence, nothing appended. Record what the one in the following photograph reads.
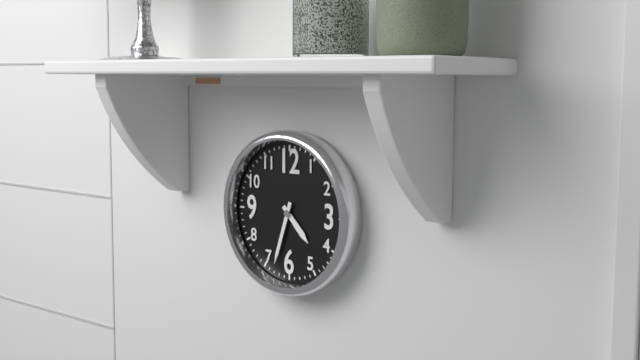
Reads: 4.33
